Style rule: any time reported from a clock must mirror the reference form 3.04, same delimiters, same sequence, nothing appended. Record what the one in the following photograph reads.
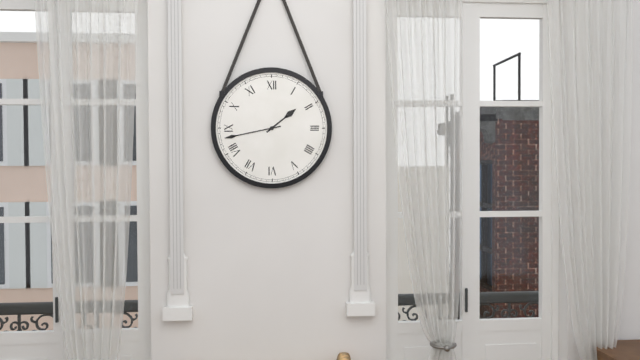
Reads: 1.43
